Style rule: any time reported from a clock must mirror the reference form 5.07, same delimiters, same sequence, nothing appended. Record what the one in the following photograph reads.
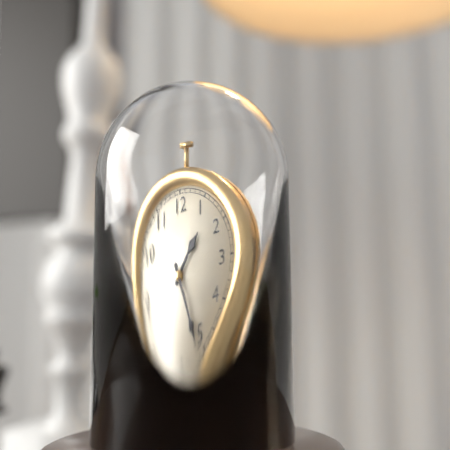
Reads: 1.26
